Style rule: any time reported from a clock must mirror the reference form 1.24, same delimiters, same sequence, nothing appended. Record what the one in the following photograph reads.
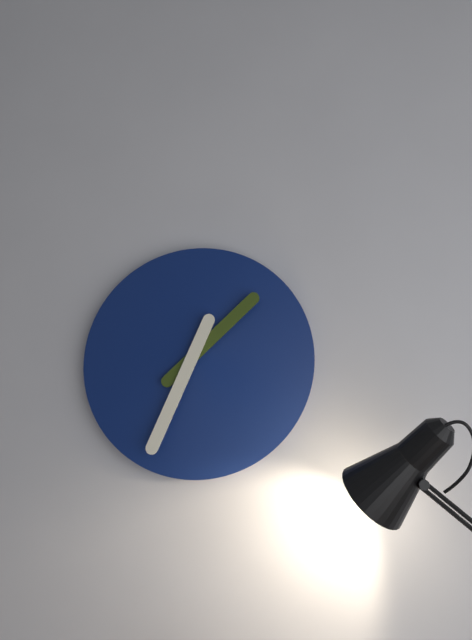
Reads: 1.34
